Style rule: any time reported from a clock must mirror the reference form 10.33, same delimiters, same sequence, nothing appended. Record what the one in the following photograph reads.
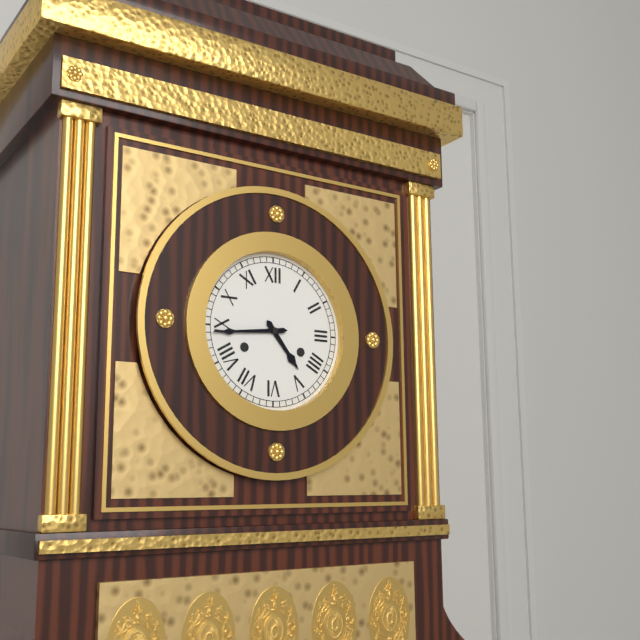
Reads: 4.44
